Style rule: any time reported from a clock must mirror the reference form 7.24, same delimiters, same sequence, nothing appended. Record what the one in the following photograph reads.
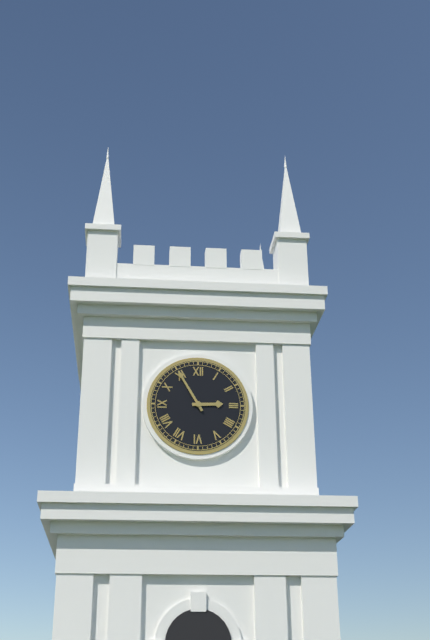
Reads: 2.55
